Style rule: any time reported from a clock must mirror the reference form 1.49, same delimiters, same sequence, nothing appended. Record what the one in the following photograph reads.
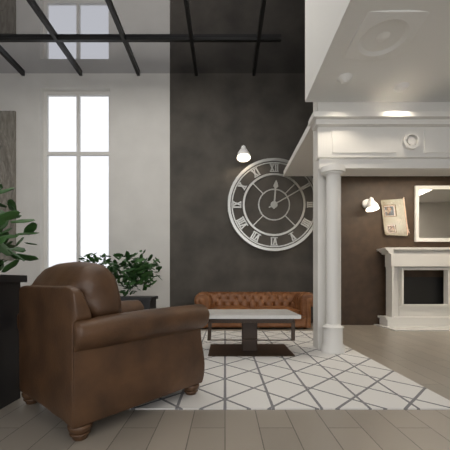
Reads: 12.10
